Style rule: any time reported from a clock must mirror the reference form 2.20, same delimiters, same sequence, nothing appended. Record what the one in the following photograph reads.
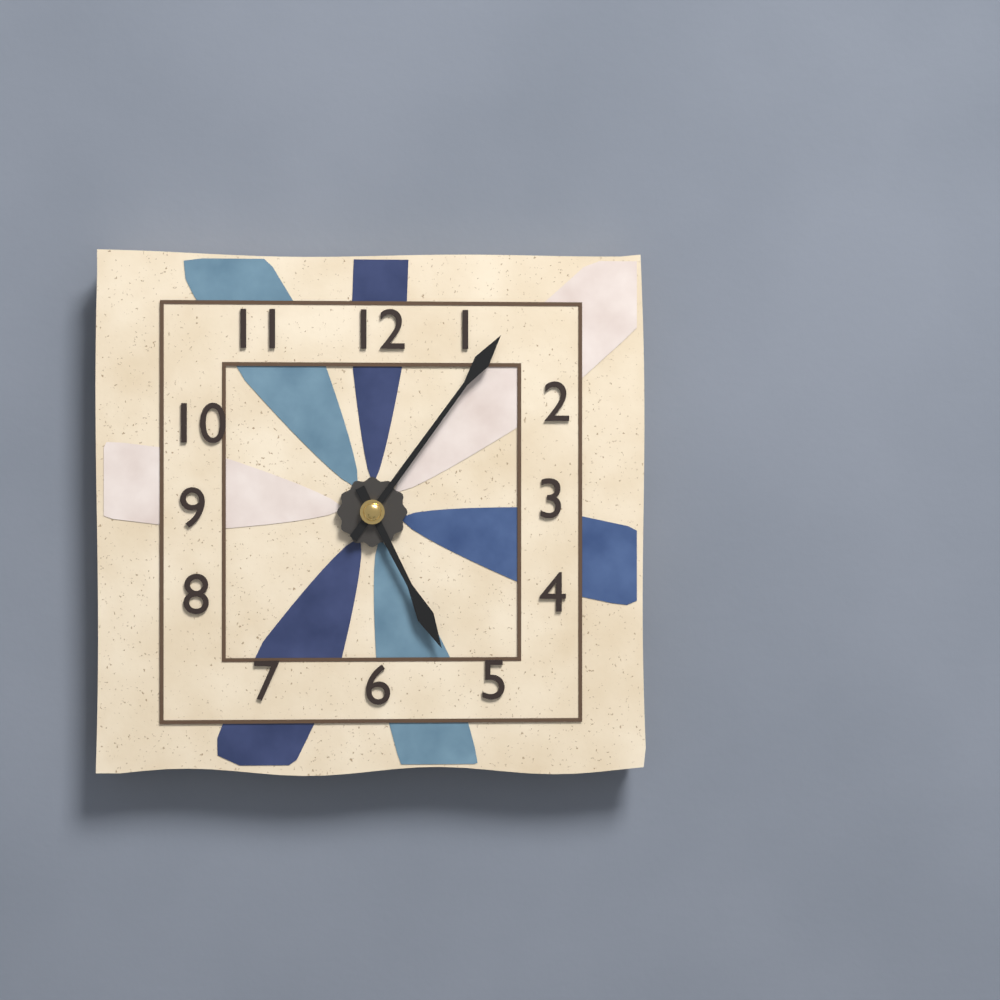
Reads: 5.06
